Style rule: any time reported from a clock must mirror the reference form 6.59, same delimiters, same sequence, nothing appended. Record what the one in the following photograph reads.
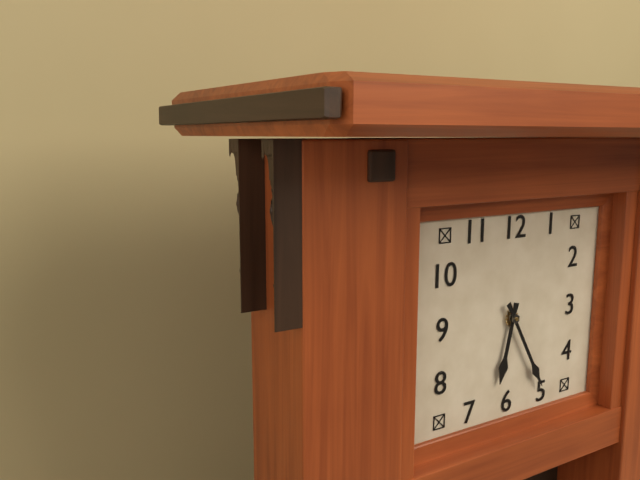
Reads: 6.25
